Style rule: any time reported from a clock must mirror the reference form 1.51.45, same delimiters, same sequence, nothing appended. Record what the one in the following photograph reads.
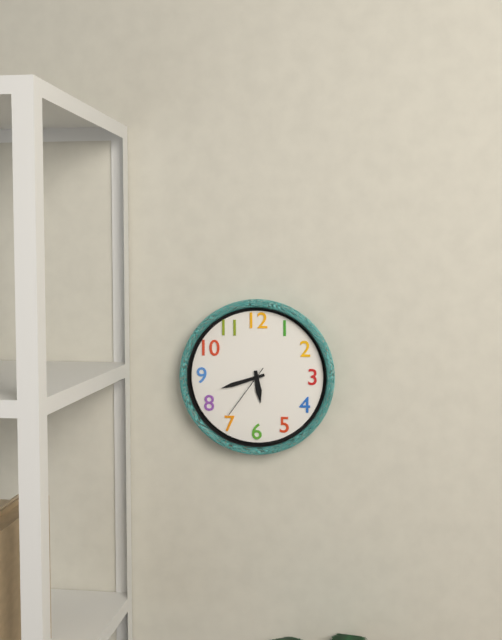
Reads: 5.42.36
